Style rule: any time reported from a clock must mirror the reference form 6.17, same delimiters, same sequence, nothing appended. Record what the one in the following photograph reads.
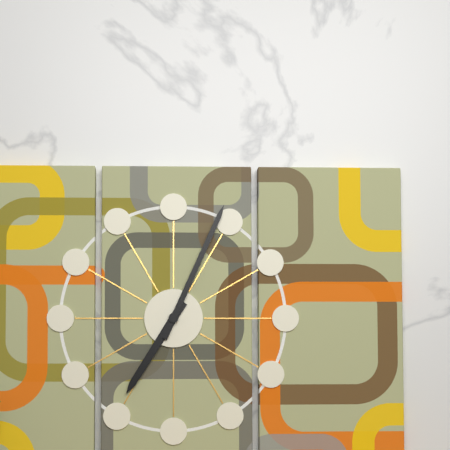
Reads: 7.04
